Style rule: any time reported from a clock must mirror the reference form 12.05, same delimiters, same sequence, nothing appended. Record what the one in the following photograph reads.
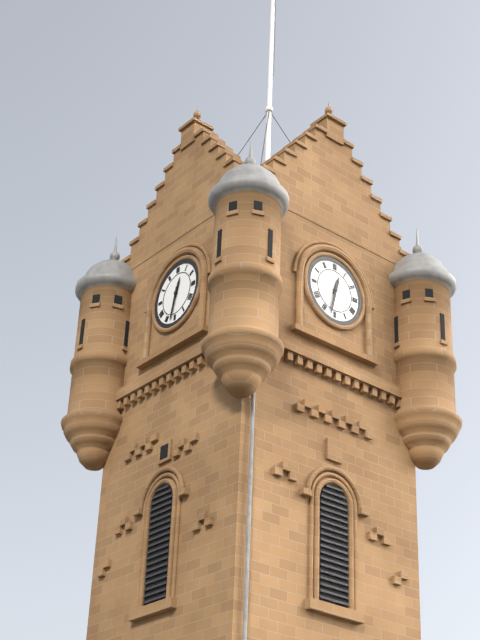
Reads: 12.32
